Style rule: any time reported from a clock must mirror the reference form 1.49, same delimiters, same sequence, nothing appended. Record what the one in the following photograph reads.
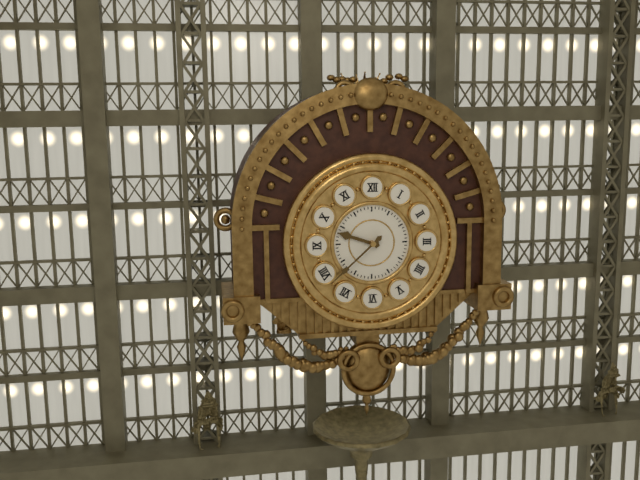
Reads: 9.38
